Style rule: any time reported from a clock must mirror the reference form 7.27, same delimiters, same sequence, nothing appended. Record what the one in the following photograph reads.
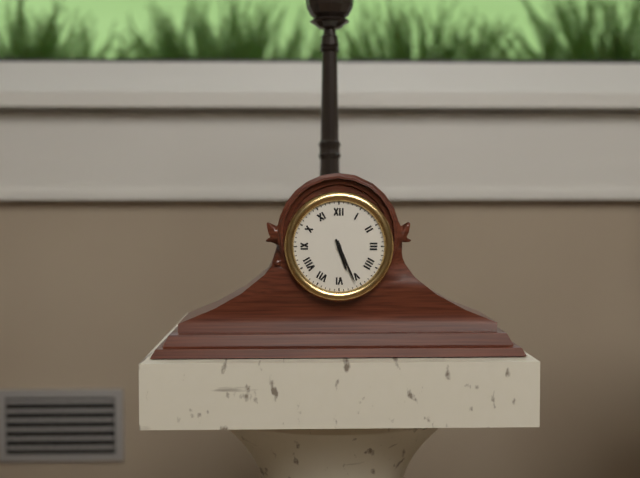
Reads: 5.26
